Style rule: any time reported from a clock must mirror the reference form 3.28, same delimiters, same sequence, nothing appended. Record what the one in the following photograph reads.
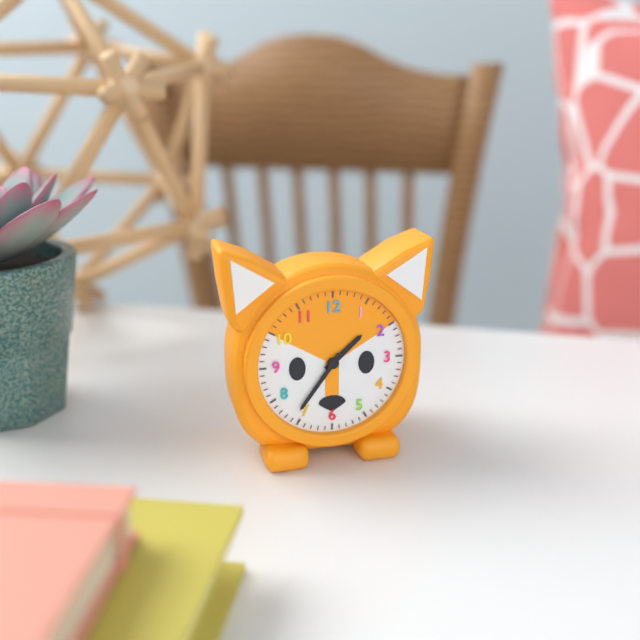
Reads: 1.36
